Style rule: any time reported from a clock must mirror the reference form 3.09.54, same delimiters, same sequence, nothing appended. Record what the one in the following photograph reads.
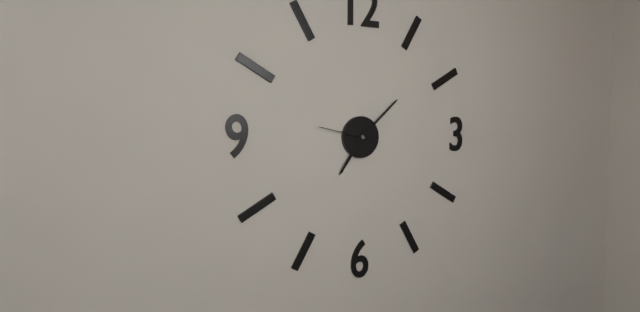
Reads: 7.08.47
